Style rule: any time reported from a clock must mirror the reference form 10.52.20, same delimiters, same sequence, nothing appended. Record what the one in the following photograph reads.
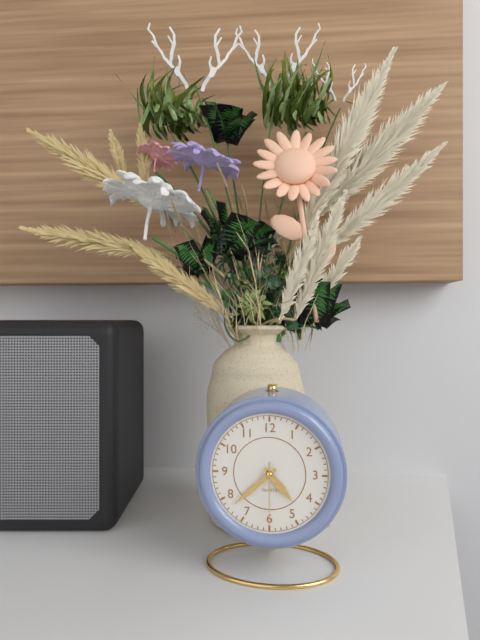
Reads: 4.38.30
